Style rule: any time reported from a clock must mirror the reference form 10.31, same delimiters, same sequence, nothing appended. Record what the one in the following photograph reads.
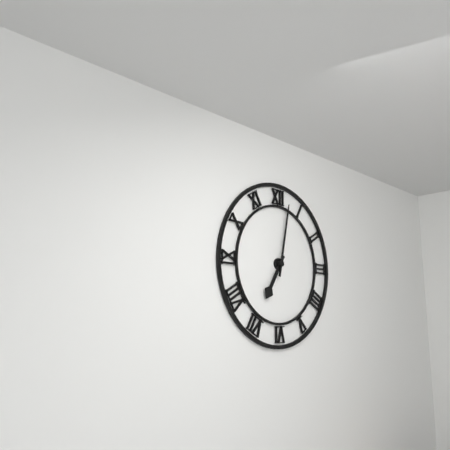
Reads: 7.02
